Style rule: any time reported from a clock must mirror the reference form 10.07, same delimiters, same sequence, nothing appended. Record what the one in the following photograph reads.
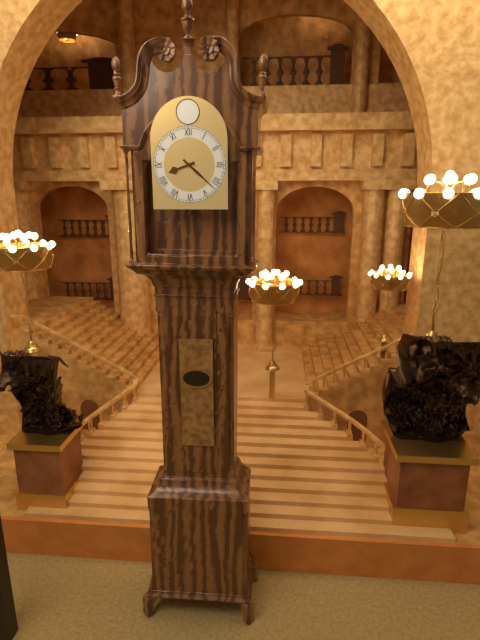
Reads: 8.22
